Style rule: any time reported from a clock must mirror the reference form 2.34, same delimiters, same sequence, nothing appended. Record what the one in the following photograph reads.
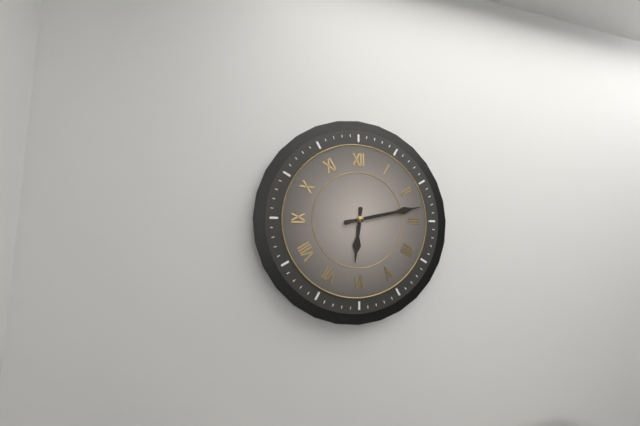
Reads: 6.13
